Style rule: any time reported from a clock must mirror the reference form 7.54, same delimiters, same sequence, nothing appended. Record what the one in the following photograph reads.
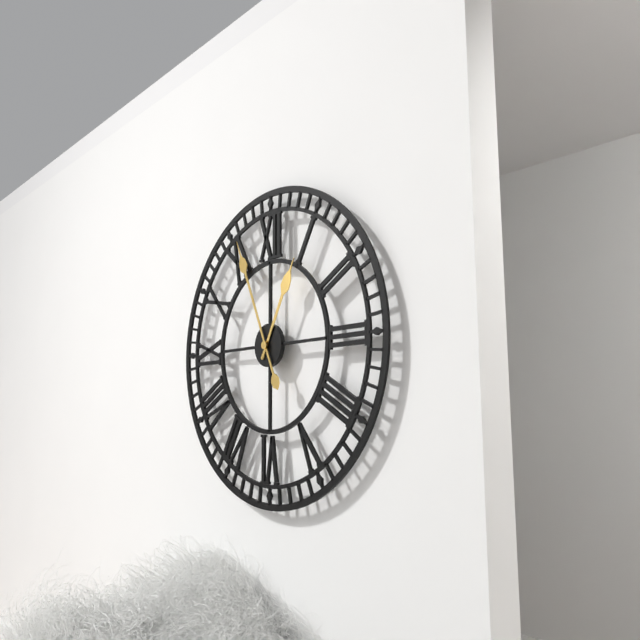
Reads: 12.56
